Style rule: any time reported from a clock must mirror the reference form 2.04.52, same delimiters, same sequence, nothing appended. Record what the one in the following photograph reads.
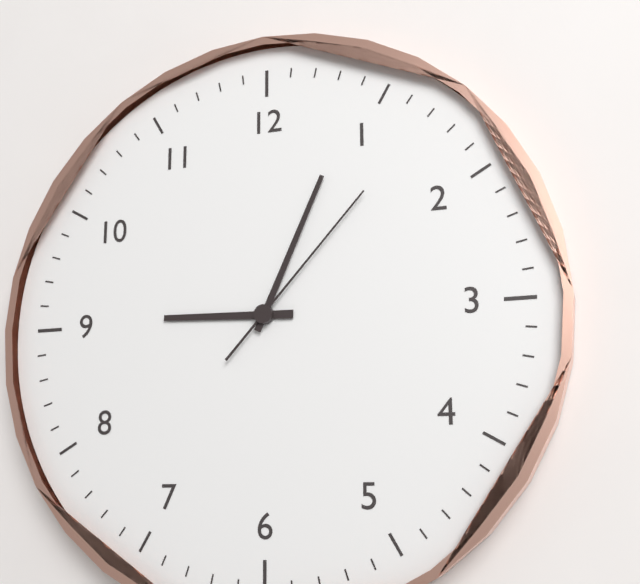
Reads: 9.04.07
